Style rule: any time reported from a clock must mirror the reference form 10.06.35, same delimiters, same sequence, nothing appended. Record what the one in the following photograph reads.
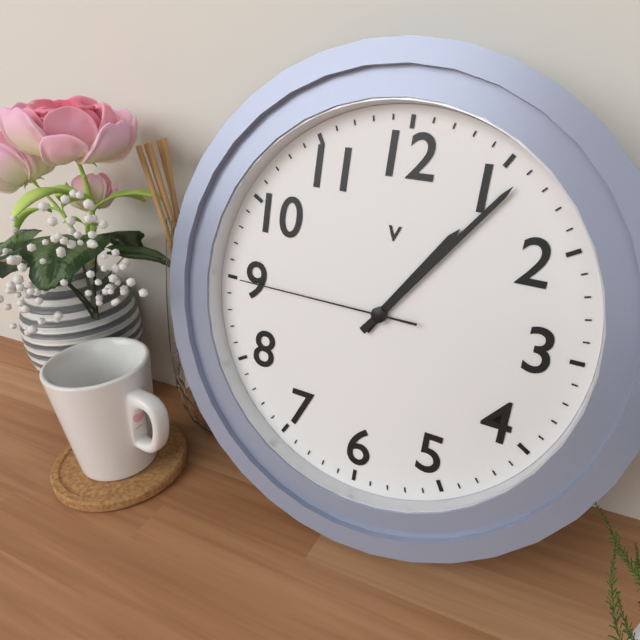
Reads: 1.06.45
